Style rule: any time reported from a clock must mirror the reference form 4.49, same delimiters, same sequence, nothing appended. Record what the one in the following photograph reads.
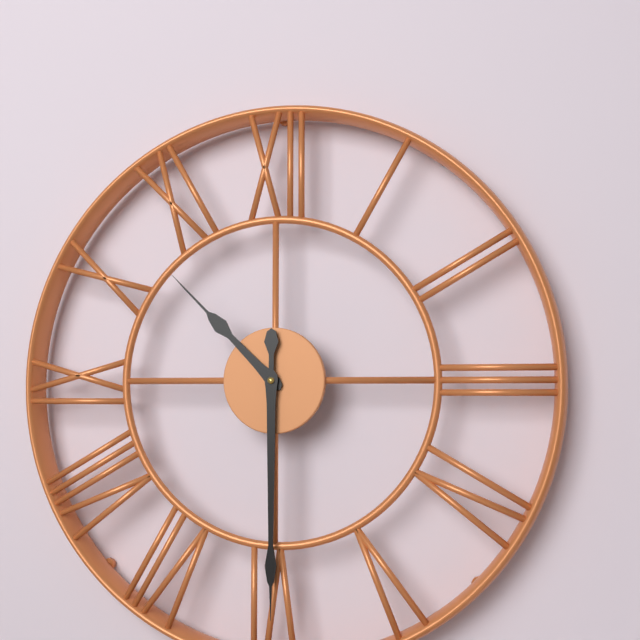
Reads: 10.30
